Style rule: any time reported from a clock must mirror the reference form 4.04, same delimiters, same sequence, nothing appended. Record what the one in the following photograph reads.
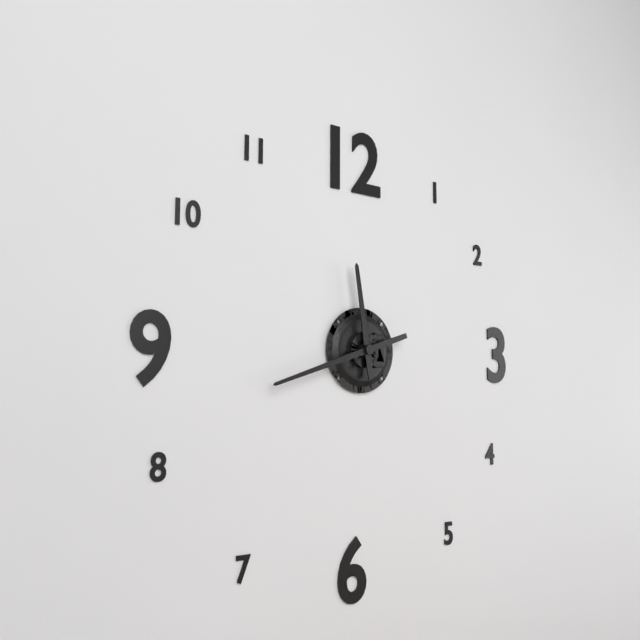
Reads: 11.42
